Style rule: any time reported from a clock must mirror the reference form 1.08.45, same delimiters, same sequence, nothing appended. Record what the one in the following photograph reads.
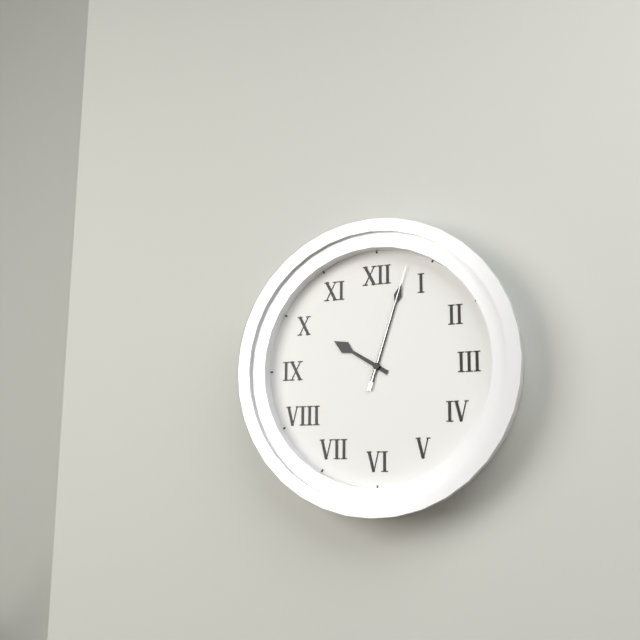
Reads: 10.03.03
